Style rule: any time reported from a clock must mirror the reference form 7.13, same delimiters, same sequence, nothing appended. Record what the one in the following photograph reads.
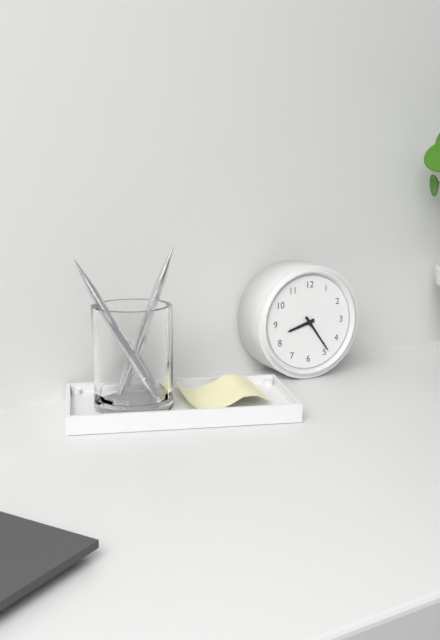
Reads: 8.24
